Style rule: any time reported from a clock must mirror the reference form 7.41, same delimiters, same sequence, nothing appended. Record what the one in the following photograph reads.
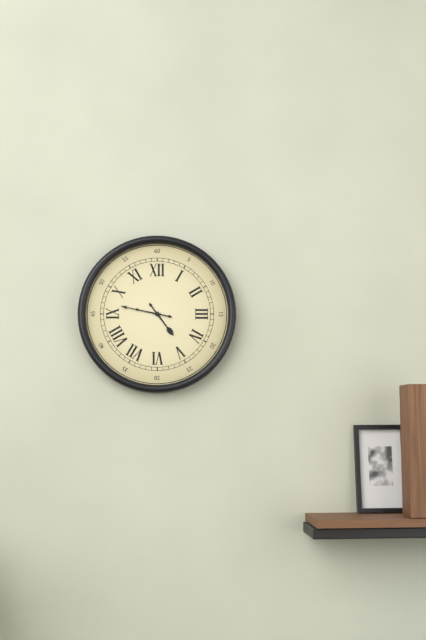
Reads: 4.47
